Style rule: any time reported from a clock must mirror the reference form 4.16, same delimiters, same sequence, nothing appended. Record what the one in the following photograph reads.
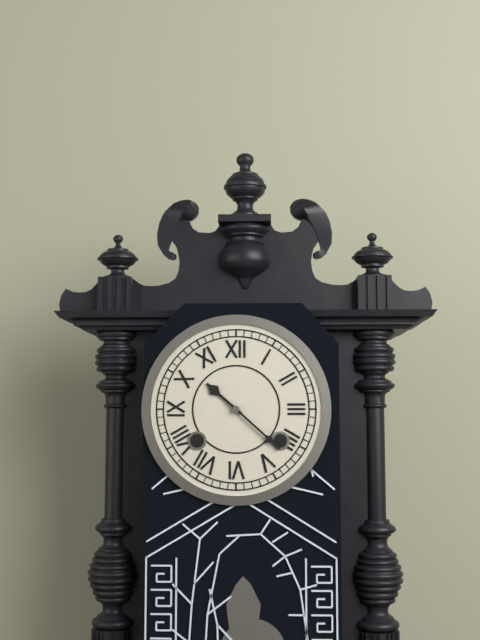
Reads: 10.22
